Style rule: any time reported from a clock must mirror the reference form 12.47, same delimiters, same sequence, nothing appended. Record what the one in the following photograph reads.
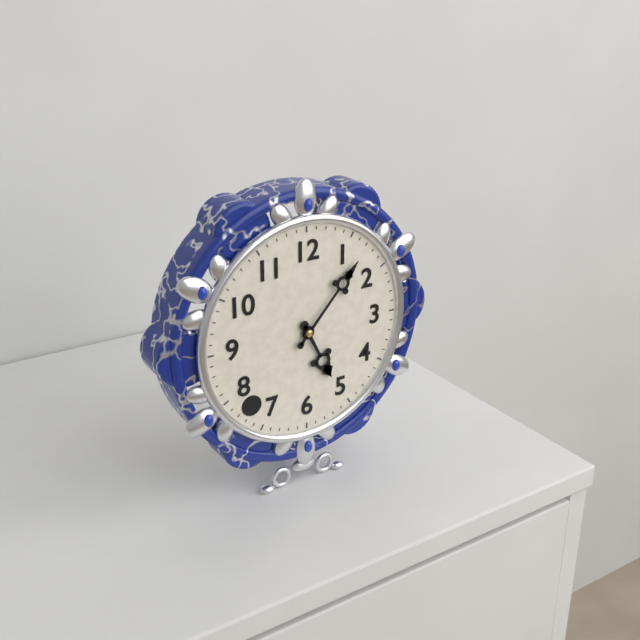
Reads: 5.07
